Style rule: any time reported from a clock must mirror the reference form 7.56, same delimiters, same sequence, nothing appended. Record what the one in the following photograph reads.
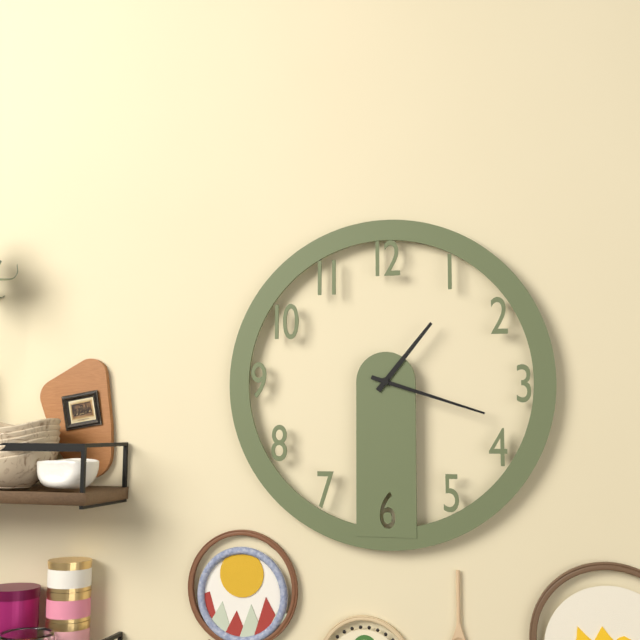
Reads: 1.18
